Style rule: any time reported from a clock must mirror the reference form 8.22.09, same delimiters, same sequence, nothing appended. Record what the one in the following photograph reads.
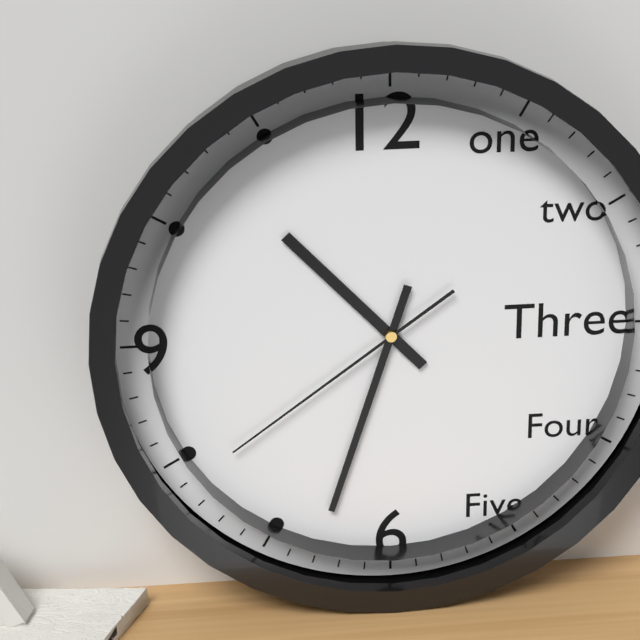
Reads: 10.33.39
